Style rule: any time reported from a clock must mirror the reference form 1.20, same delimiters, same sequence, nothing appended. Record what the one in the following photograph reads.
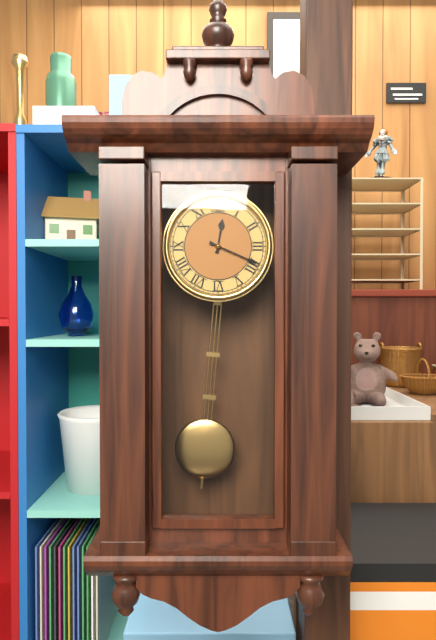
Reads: 12.19
